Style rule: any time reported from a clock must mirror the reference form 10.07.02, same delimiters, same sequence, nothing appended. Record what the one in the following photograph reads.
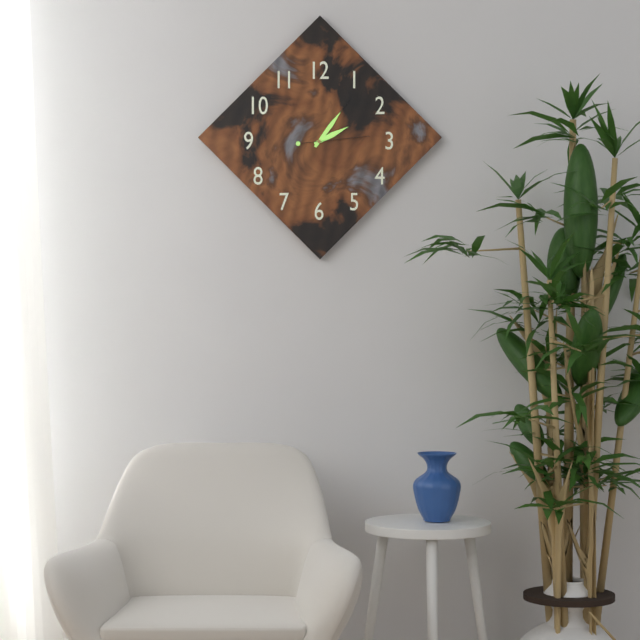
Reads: 2.06.14
